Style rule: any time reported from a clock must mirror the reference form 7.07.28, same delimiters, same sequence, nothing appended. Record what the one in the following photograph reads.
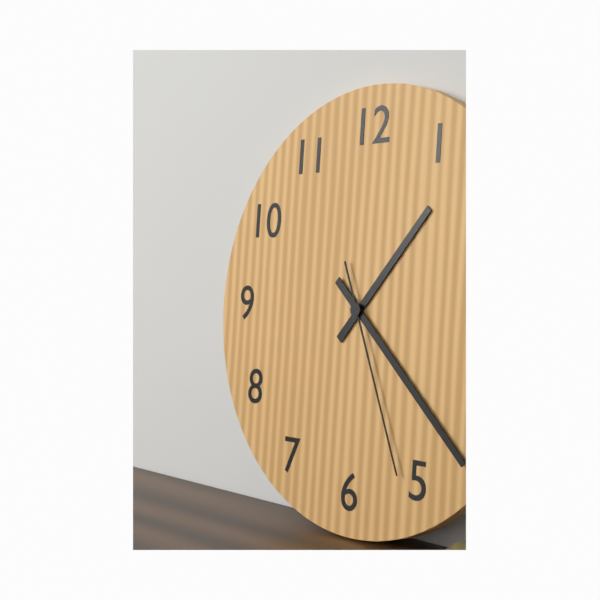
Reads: 1.22.26
